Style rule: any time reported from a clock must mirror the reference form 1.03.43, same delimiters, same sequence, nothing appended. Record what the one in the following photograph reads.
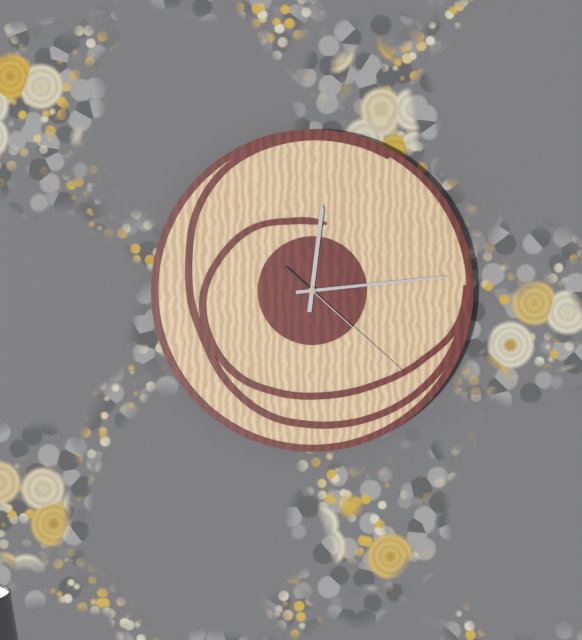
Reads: 12.14.22
